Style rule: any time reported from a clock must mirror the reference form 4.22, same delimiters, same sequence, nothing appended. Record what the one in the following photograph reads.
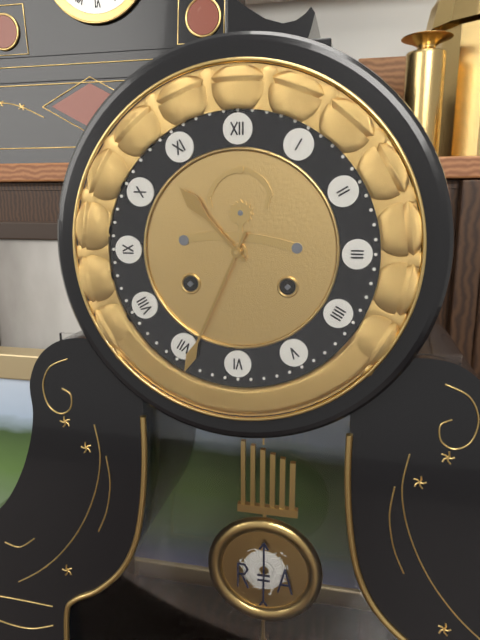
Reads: 10.34
